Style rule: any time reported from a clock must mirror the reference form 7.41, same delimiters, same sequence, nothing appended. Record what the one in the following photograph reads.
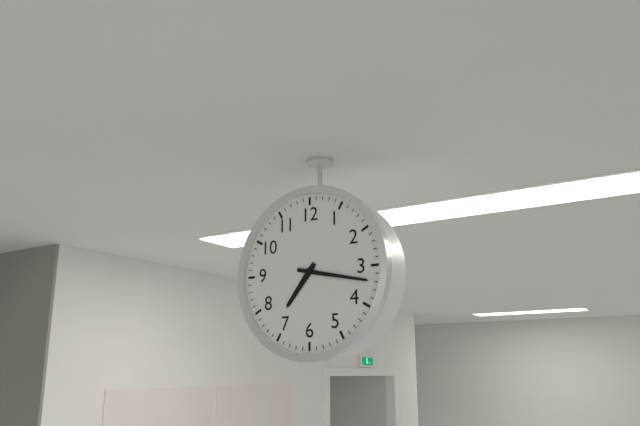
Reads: 7.17
